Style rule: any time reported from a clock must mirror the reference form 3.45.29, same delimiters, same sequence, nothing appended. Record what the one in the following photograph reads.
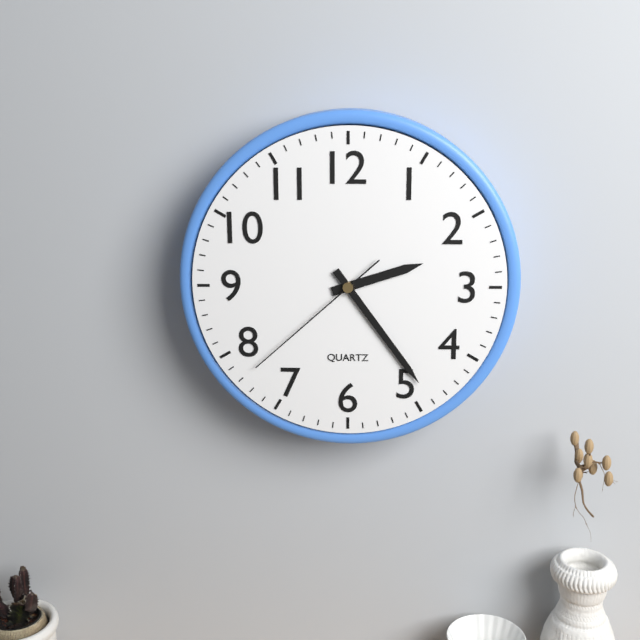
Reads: 2.24.38
